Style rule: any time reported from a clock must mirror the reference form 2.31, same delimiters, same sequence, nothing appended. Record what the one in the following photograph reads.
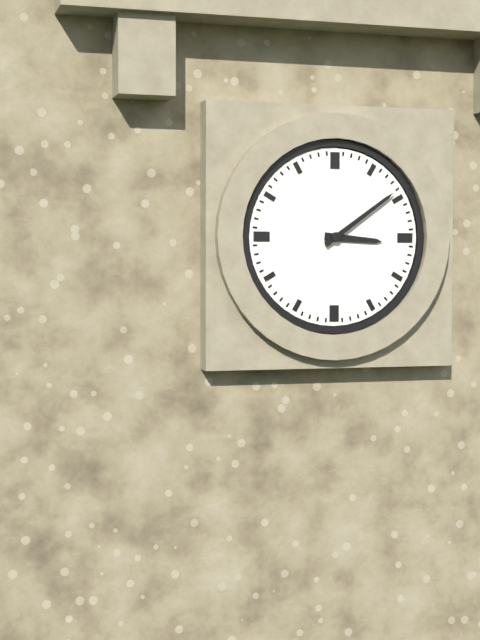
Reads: 3.09
